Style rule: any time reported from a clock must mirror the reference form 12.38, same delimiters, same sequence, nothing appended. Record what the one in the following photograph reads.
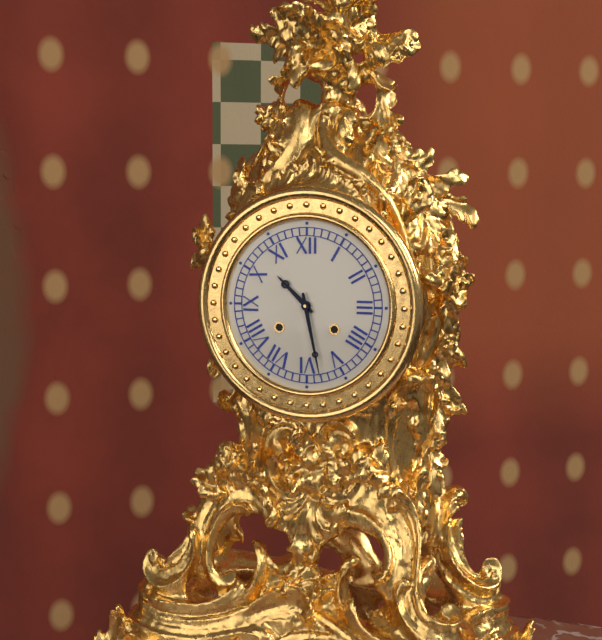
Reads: 10.28
